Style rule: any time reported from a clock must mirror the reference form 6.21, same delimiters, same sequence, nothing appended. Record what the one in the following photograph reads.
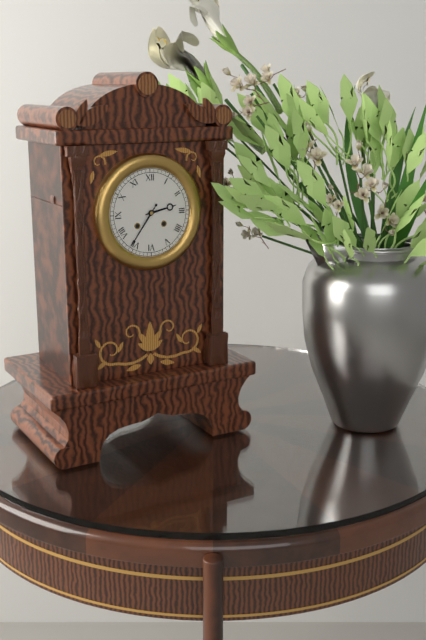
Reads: 2.36
